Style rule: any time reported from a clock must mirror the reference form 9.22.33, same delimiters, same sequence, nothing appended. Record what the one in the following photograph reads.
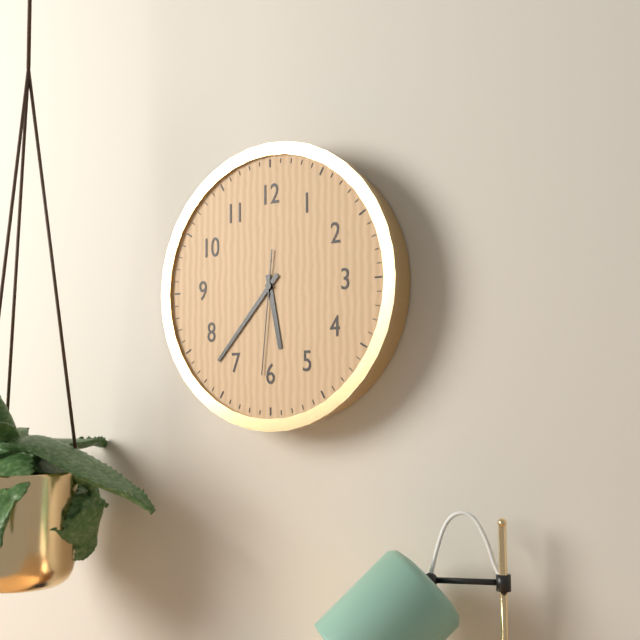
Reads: 5.37.31
